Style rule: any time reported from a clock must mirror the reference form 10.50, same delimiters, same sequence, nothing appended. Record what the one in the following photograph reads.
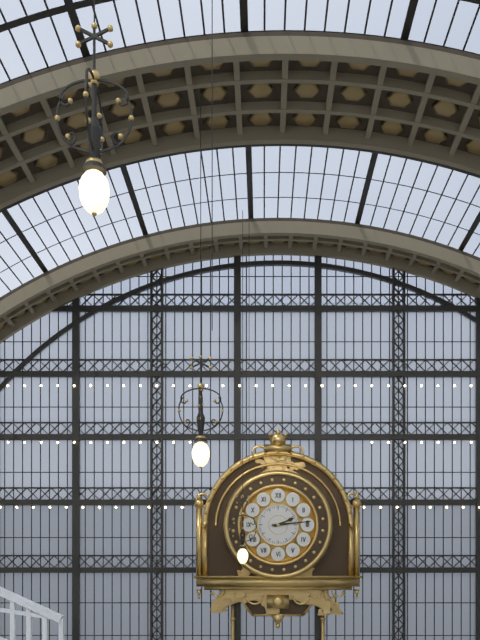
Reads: 2.14
